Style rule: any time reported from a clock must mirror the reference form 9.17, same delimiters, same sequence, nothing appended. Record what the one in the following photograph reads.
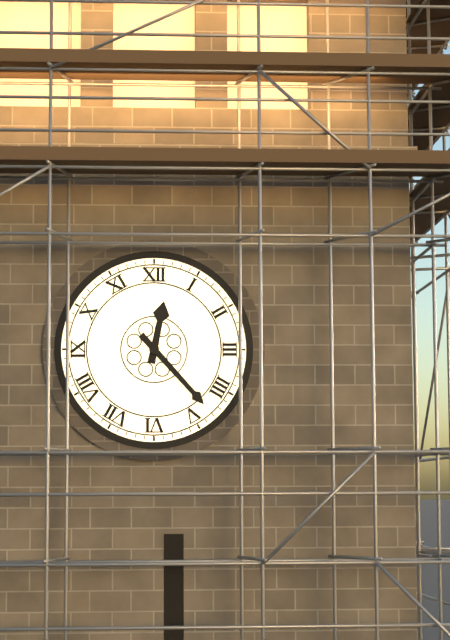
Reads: 12.23
